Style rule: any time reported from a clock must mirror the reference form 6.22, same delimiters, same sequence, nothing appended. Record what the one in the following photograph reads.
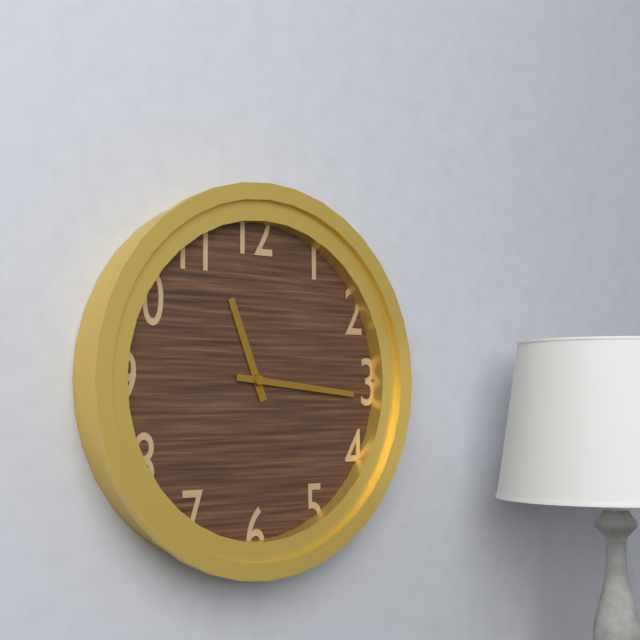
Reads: 11.16
